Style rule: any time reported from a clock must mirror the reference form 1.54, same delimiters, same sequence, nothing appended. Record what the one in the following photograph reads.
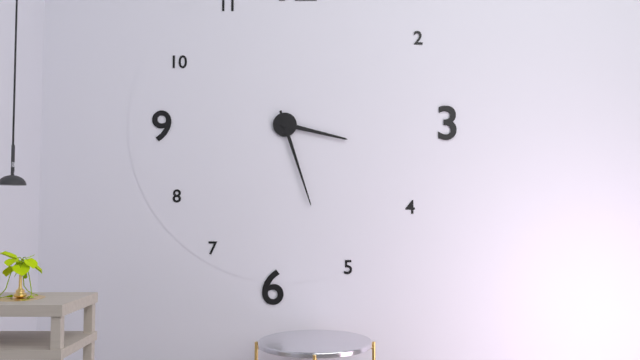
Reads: 3.27
